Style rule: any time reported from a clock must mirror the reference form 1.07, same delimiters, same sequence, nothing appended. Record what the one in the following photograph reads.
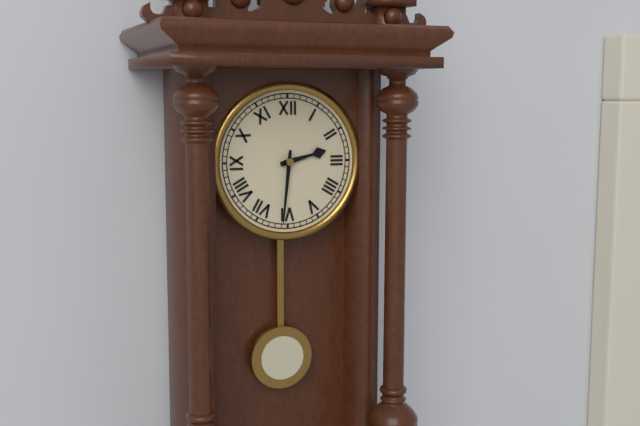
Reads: 2.31
